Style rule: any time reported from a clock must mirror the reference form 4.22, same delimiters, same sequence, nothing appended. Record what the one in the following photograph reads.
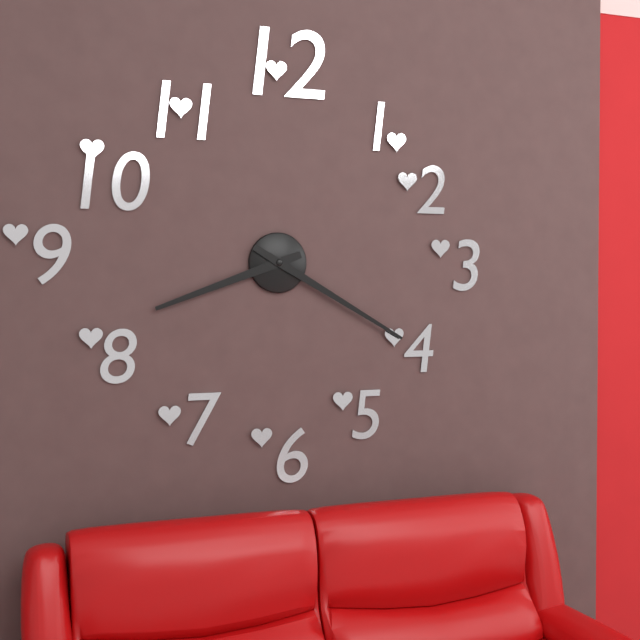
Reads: 8.20
